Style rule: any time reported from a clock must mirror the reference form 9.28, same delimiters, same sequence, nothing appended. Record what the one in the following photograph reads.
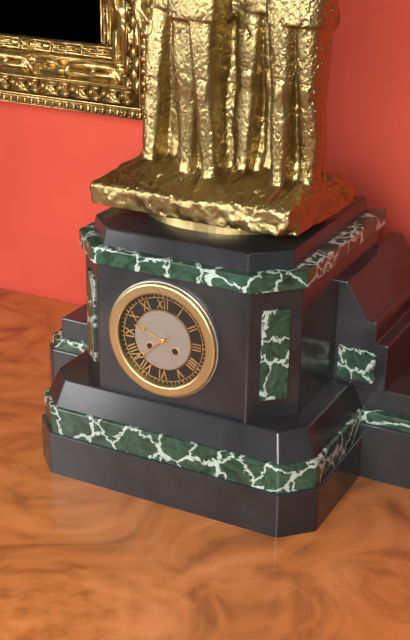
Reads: 9.38
